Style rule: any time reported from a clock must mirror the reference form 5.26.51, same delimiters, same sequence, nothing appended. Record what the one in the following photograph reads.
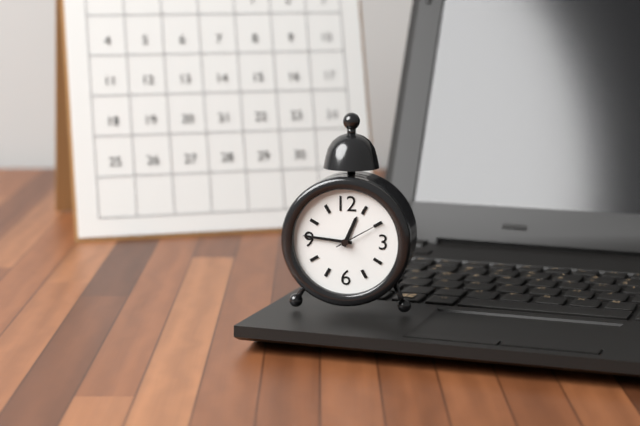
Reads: 12.46.10
